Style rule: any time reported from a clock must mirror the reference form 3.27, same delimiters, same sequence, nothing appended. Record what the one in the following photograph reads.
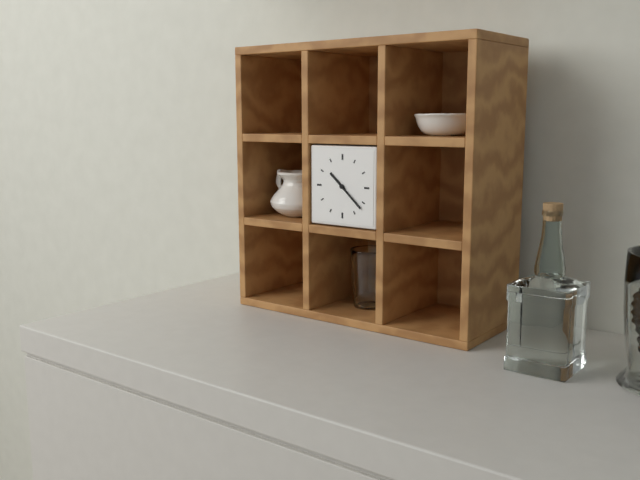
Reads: 10.22
